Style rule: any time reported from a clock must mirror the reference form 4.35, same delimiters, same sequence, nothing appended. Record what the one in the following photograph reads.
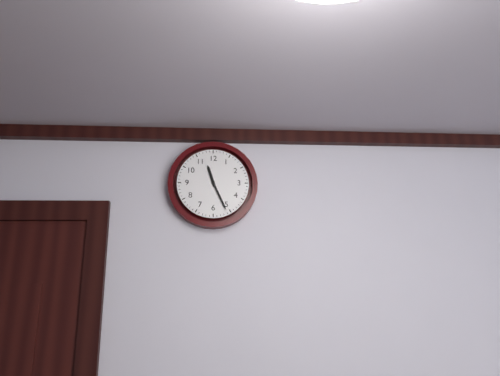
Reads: 11.26
